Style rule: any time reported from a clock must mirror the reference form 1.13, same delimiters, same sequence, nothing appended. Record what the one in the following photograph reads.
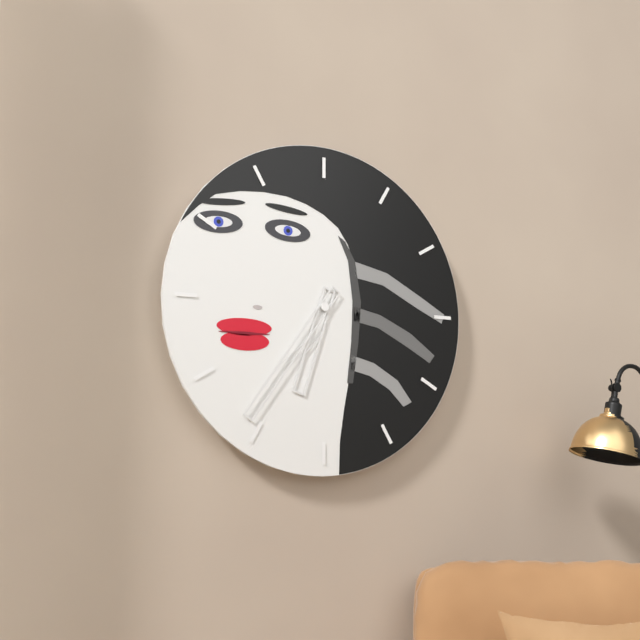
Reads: 6.36
